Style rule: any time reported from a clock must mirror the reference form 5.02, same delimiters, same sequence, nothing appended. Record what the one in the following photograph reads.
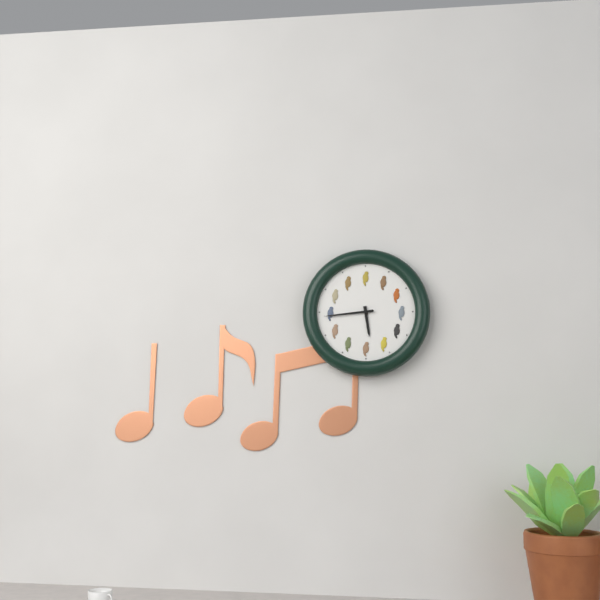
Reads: 5.44
